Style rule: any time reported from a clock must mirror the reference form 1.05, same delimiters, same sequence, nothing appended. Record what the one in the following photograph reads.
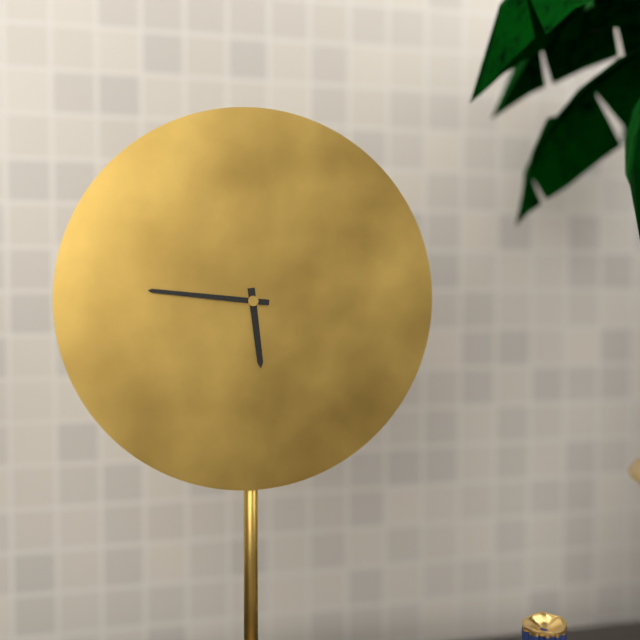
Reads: 5.46
